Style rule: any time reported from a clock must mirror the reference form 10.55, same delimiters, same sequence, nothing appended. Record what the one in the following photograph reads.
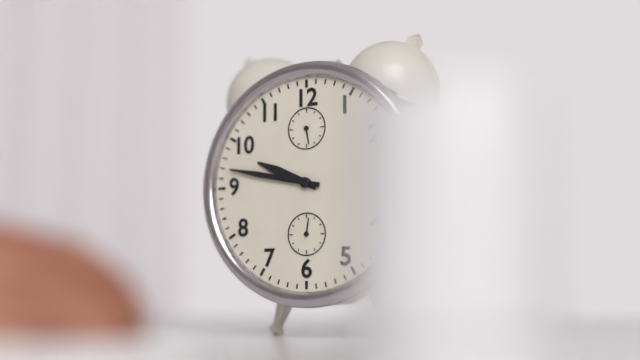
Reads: 9.47
